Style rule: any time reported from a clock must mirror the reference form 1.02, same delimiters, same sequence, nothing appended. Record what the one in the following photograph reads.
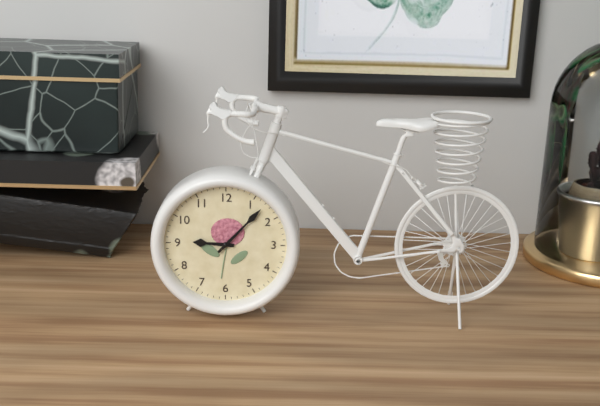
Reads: 9.07
